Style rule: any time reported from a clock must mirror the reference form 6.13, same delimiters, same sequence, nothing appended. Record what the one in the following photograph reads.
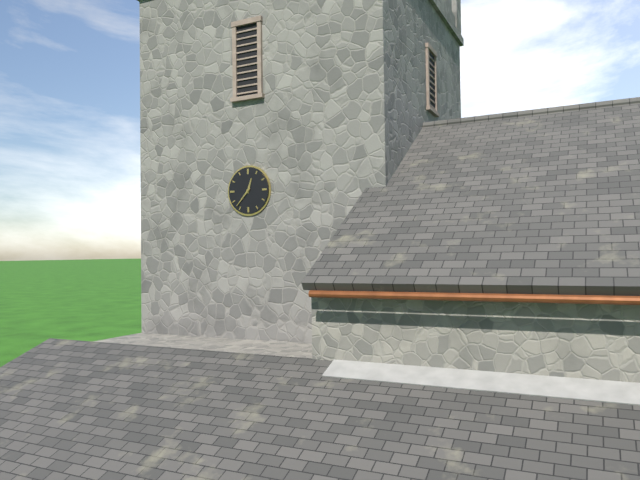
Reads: 12.37
